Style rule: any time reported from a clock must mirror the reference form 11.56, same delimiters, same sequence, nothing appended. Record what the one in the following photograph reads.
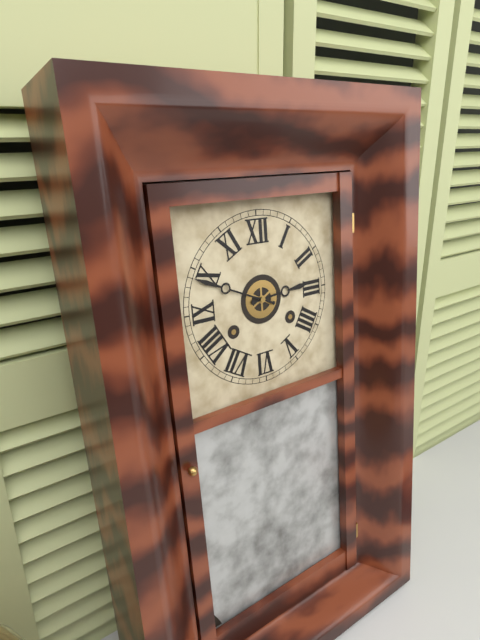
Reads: 2.49
